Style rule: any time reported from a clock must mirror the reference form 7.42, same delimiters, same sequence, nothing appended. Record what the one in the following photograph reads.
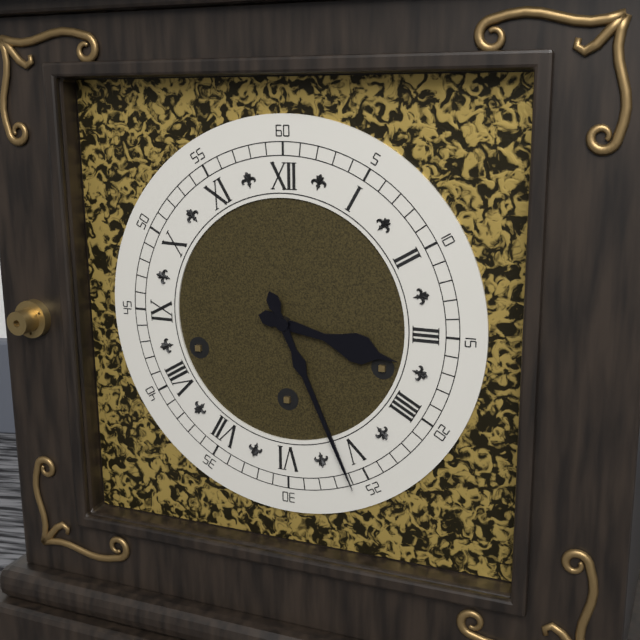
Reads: 3.26
